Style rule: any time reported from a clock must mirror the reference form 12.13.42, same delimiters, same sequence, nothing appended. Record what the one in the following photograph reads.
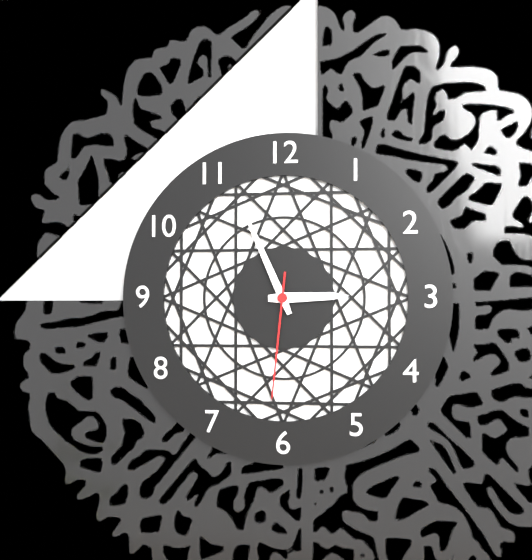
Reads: 2.56.31
